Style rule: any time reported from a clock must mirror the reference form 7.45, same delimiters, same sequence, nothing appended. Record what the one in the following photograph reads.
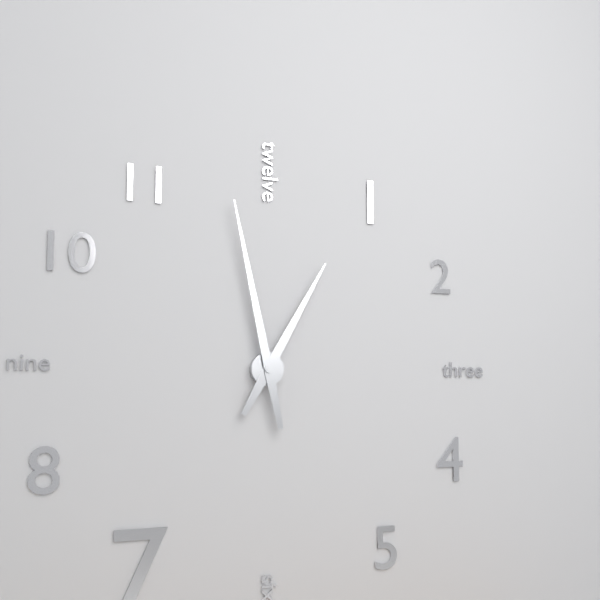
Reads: 12.58
